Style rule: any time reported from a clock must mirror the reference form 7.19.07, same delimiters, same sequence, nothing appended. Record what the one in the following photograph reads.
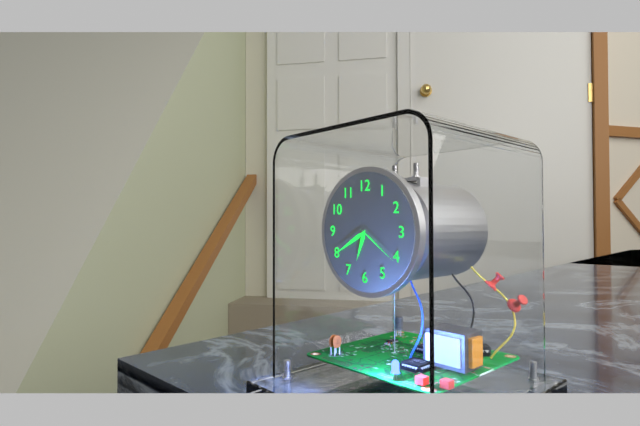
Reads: 6.40.21
